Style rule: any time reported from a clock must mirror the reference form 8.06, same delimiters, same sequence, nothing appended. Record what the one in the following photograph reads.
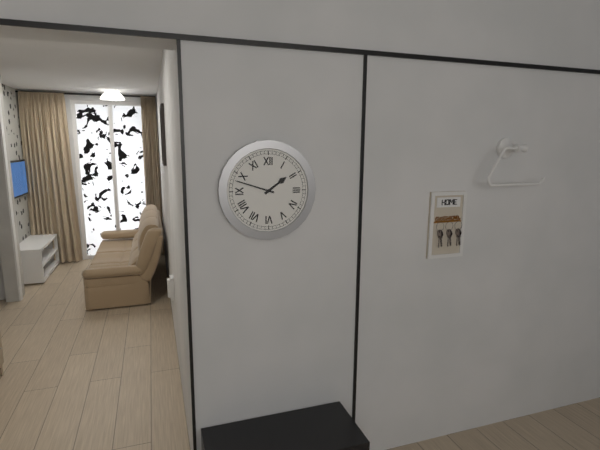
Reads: 1.48
